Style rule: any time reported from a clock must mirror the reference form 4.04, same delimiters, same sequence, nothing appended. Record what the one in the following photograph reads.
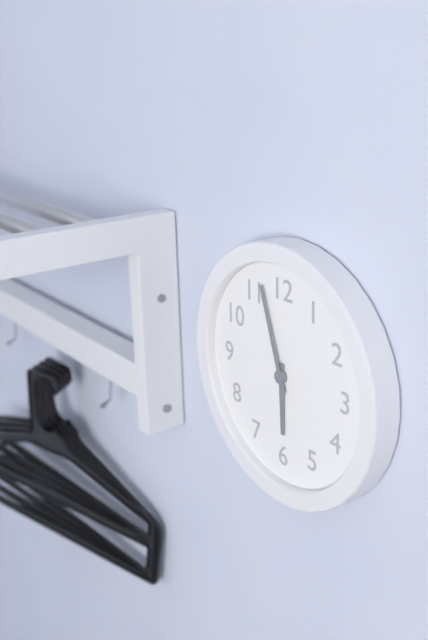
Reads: 5.57
